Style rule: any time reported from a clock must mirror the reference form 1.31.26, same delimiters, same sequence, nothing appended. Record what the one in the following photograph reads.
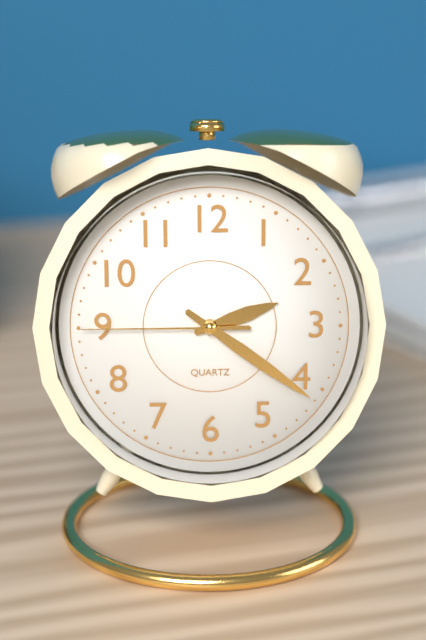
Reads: 2.21.45
